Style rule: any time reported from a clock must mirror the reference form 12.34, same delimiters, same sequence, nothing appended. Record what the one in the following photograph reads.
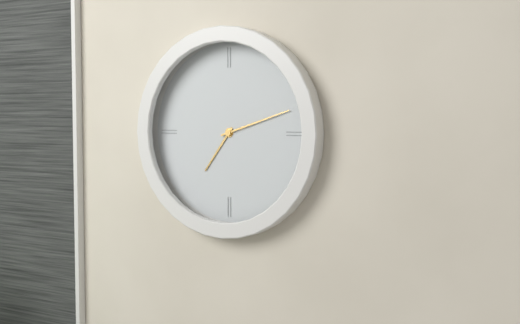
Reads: 7.12
